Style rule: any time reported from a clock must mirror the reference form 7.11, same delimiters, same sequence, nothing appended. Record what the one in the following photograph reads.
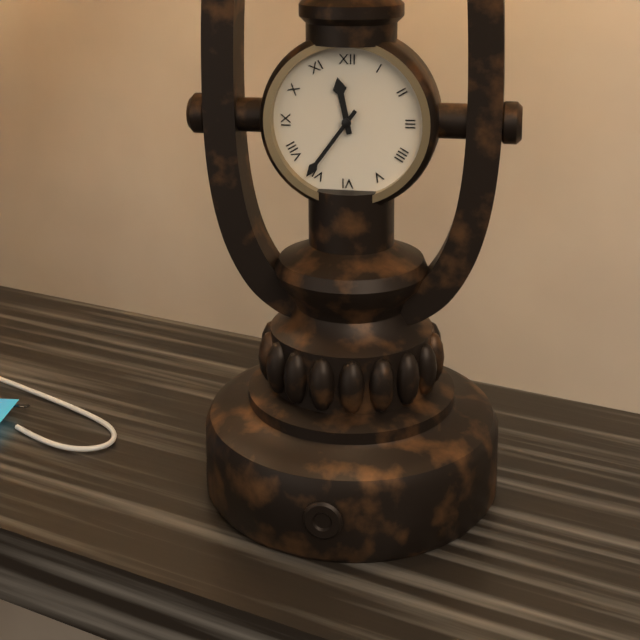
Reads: 11.36
